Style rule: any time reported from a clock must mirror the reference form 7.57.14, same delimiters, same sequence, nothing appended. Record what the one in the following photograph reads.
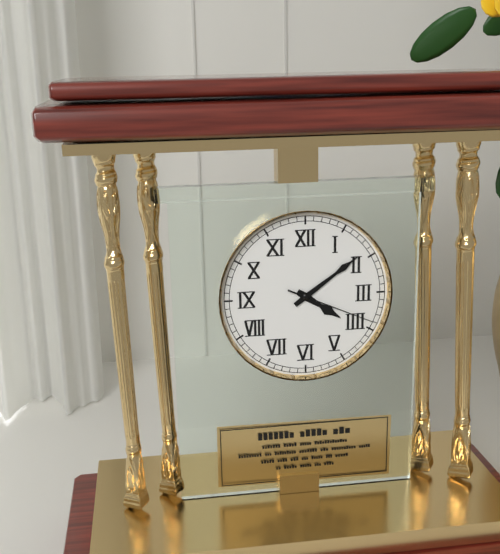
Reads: 4.09.19
